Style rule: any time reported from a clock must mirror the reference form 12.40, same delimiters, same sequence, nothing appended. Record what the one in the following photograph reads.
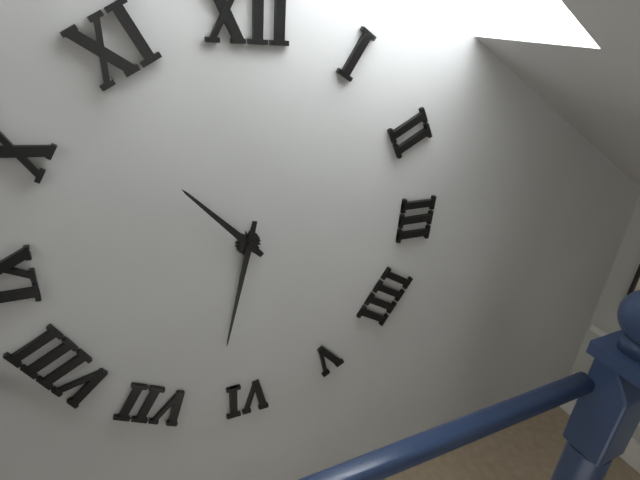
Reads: 10.32
